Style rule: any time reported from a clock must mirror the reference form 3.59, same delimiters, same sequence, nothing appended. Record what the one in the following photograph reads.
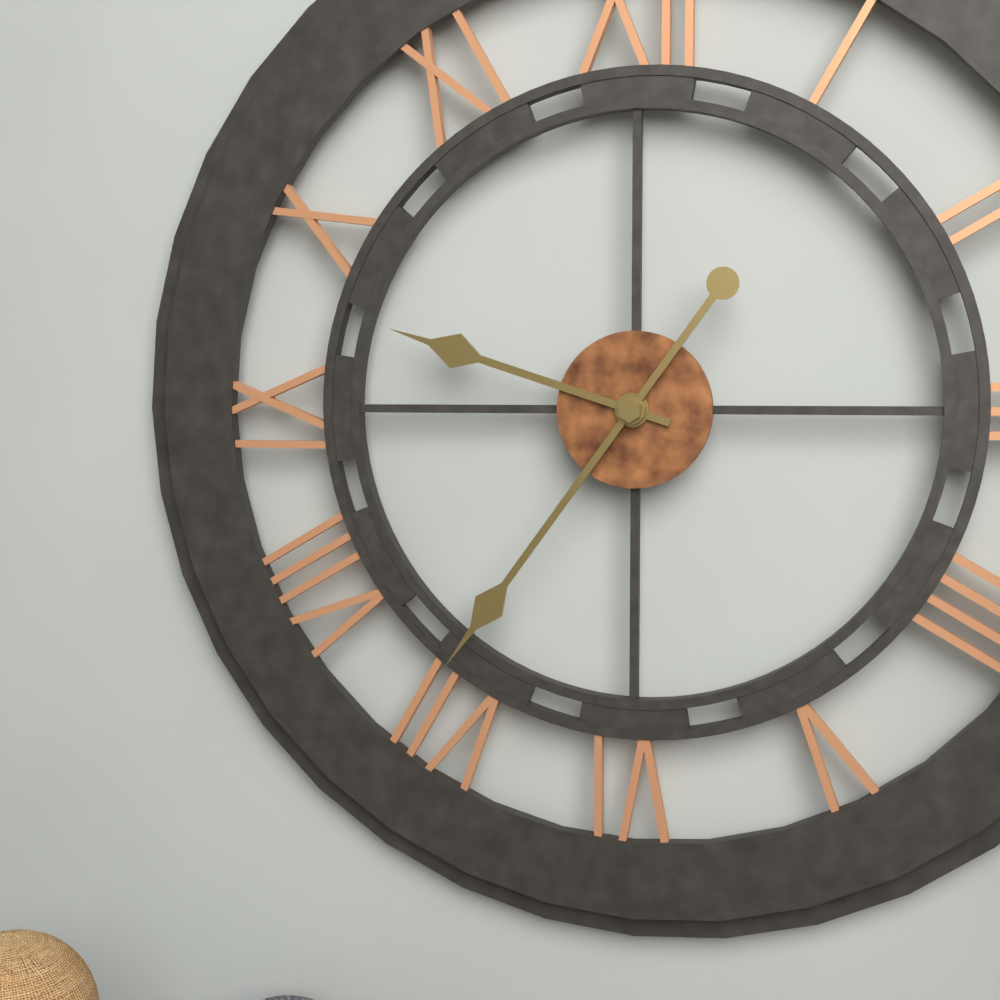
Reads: 9.36
